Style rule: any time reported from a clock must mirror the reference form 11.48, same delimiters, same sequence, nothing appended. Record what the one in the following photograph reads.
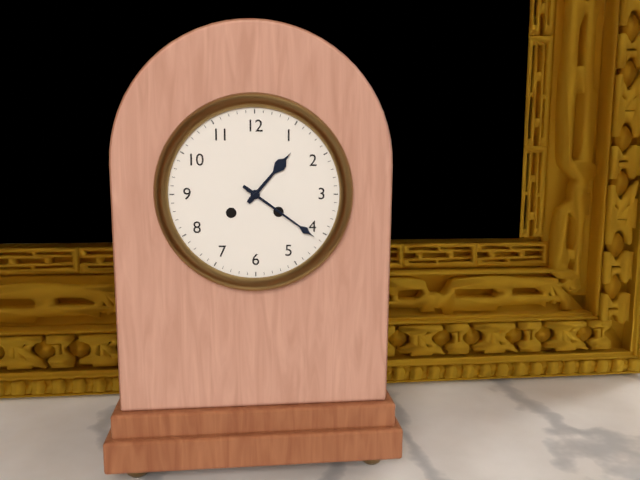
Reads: 1.21
